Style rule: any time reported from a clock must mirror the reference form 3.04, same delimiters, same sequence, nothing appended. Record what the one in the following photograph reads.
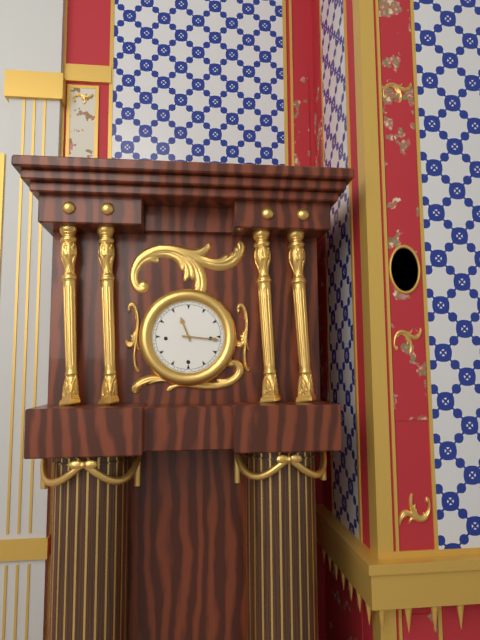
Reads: 11.16
